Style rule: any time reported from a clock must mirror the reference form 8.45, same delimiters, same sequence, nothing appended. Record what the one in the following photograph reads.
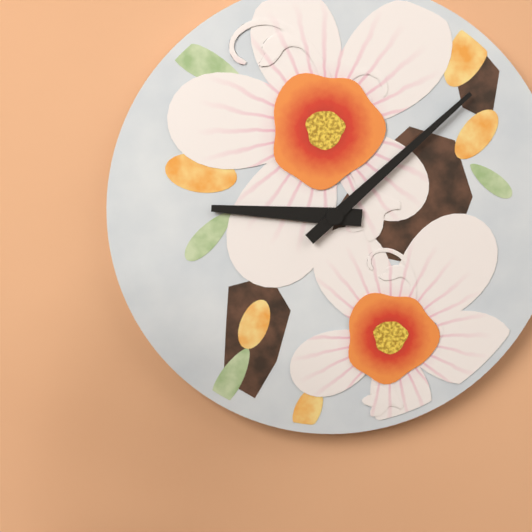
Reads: 9.08
